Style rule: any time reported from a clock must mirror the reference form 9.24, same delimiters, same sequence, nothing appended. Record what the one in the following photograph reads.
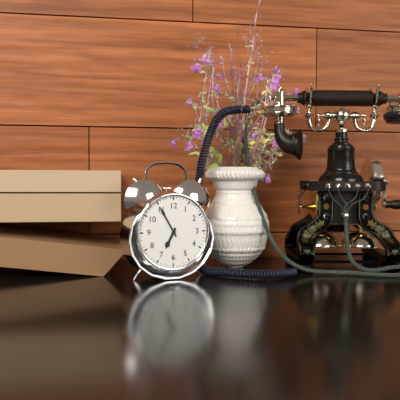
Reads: 6.55
